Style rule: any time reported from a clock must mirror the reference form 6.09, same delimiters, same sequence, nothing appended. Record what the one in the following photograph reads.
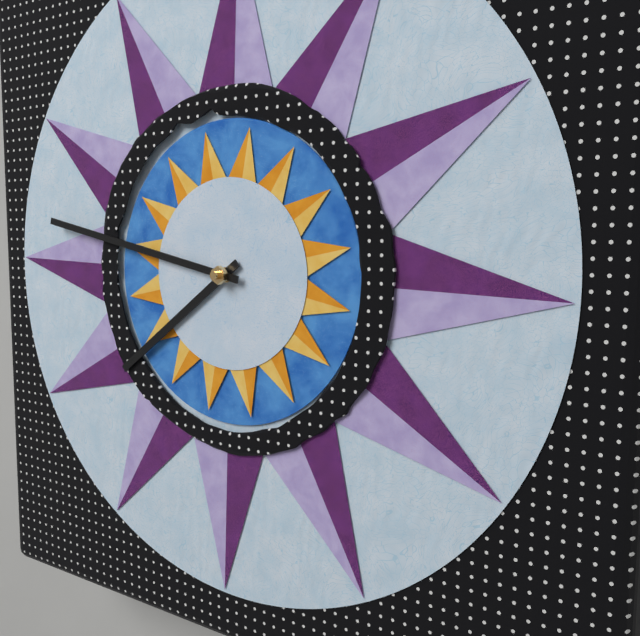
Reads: 7.47
